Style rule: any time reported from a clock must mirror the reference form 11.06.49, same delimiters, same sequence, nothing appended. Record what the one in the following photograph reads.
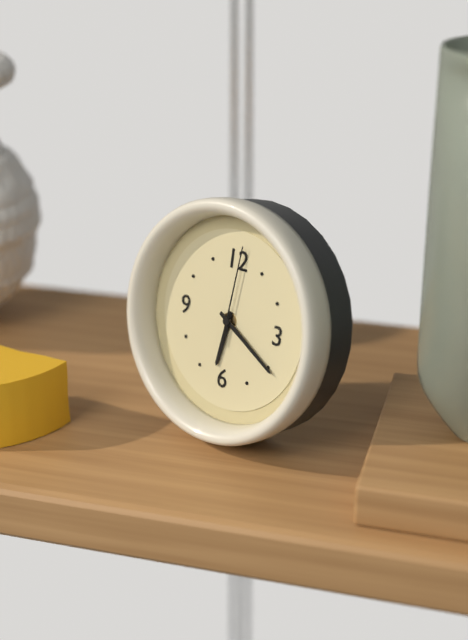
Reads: 6.20.01
